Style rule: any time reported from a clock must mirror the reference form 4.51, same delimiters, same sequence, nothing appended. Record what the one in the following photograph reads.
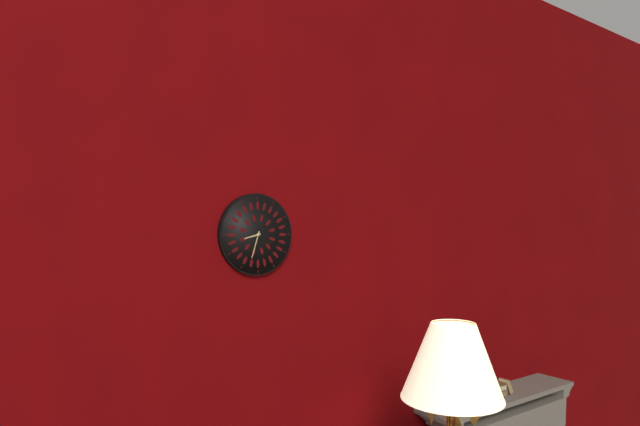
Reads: 8.33
